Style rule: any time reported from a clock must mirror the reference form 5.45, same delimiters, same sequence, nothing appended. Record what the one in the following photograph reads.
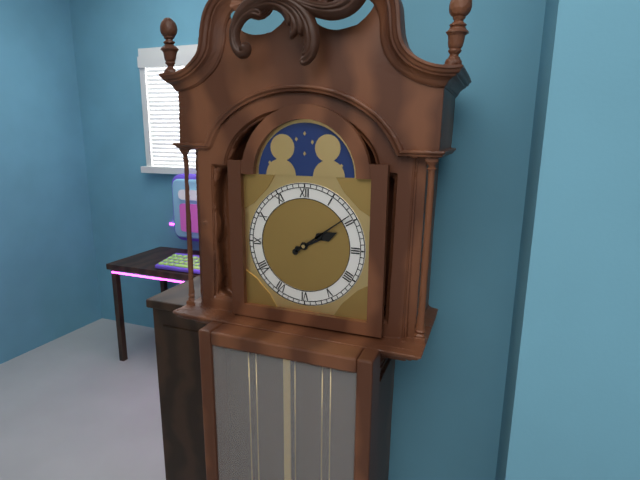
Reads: 2.09
